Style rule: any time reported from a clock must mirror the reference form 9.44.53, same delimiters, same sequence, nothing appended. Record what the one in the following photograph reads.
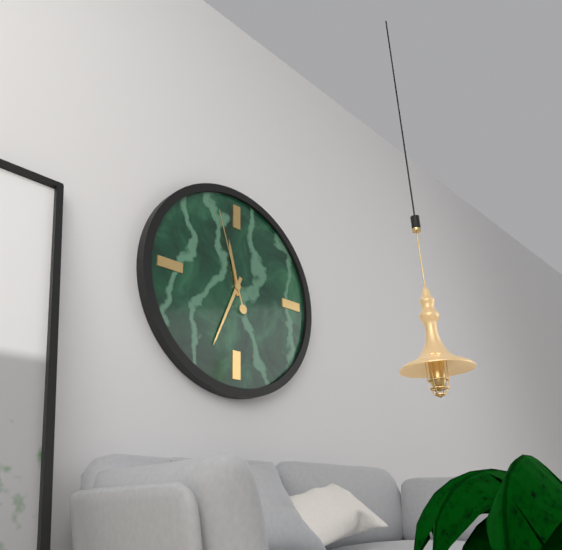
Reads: 11.34.57
